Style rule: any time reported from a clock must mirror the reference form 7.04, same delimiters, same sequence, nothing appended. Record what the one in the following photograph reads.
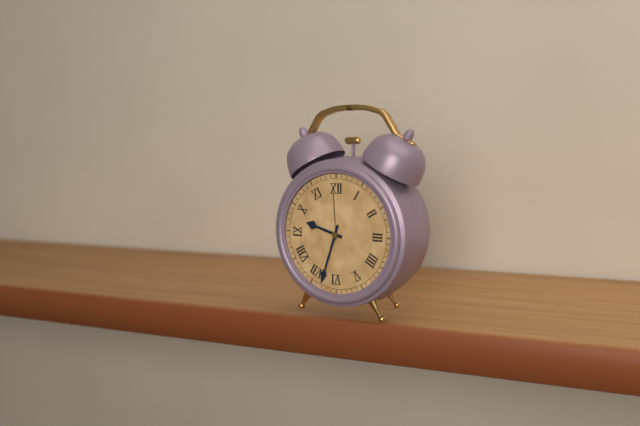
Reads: 9.33
